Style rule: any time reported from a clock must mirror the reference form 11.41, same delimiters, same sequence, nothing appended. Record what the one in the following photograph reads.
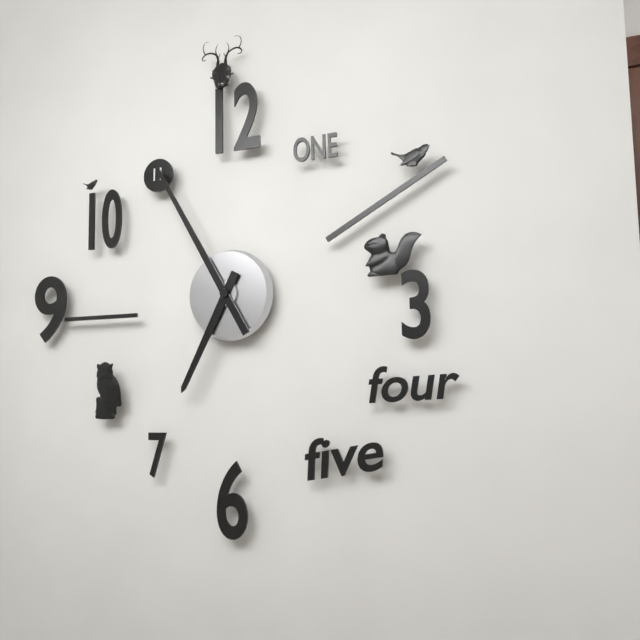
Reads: 6.55
